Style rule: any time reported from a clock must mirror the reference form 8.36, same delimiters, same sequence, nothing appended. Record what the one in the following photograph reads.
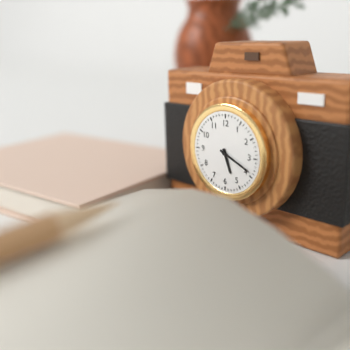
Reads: 5.19
